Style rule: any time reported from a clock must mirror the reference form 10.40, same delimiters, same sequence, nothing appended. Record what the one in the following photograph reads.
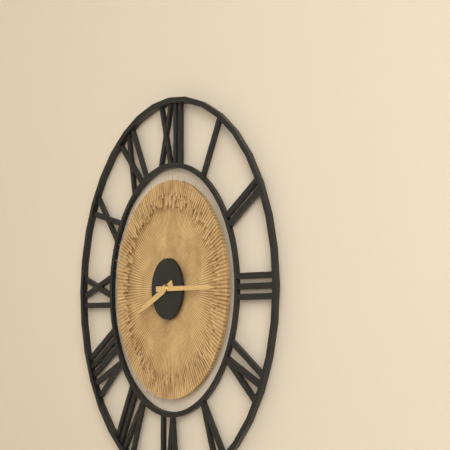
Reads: 8.15
